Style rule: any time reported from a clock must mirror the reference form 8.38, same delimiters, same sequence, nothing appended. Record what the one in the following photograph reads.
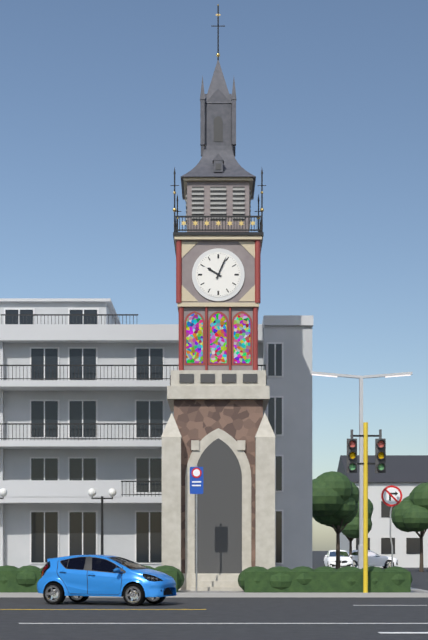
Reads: 10.04
